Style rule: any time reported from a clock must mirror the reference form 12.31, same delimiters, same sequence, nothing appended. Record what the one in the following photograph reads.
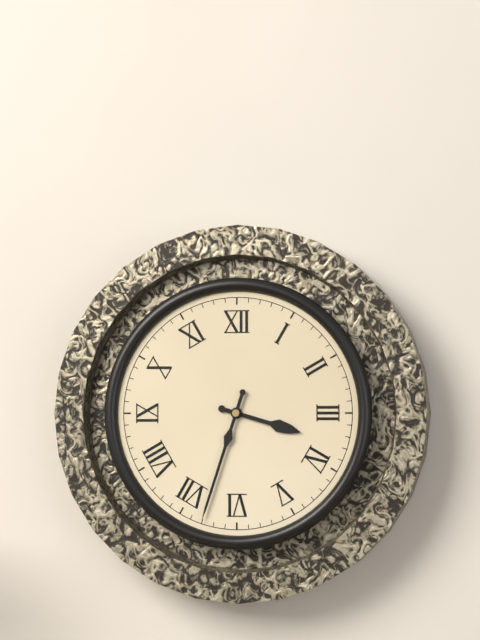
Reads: 3.33
